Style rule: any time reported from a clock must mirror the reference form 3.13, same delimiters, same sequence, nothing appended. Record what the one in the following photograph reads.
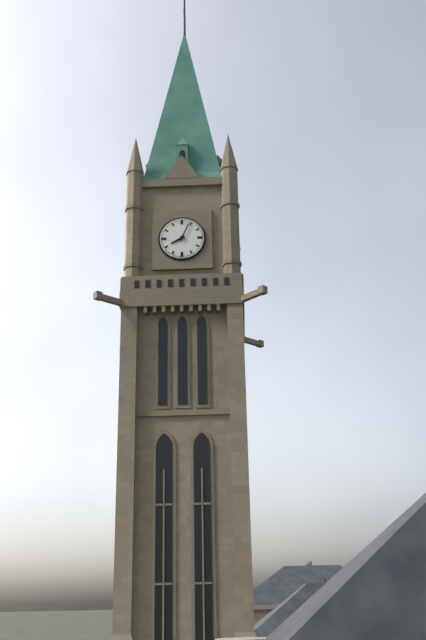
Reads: 8.04
